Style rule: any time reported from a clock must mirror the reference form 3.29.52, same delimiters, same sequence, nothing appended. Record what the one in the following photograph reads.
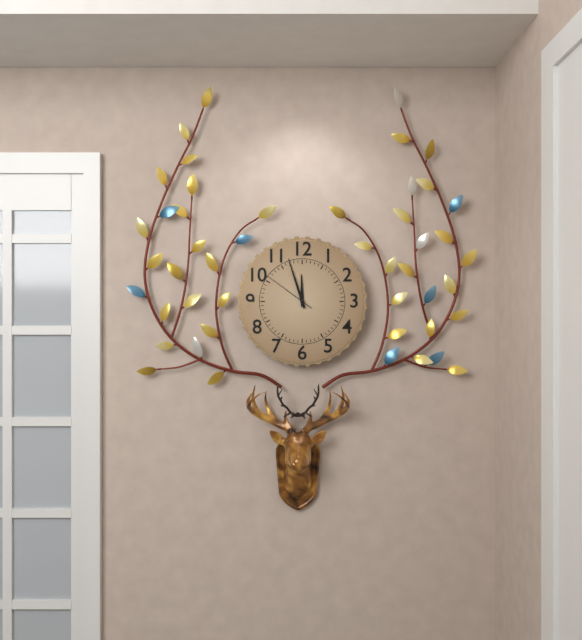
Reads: 11.57.51
